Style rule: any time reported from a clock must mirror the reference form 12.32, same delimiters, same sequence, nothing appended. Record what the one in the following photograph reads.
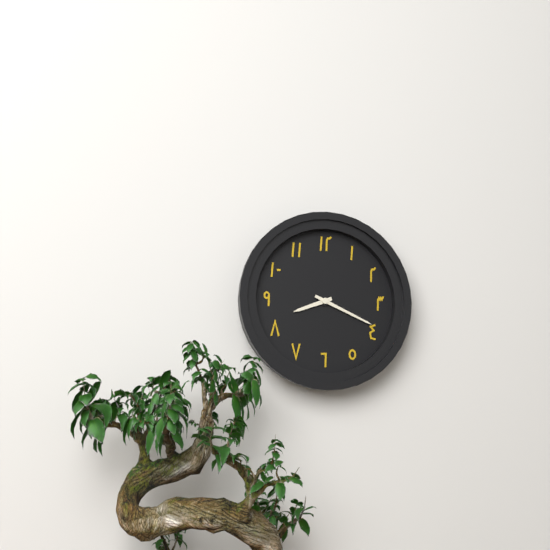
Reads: 8.19
